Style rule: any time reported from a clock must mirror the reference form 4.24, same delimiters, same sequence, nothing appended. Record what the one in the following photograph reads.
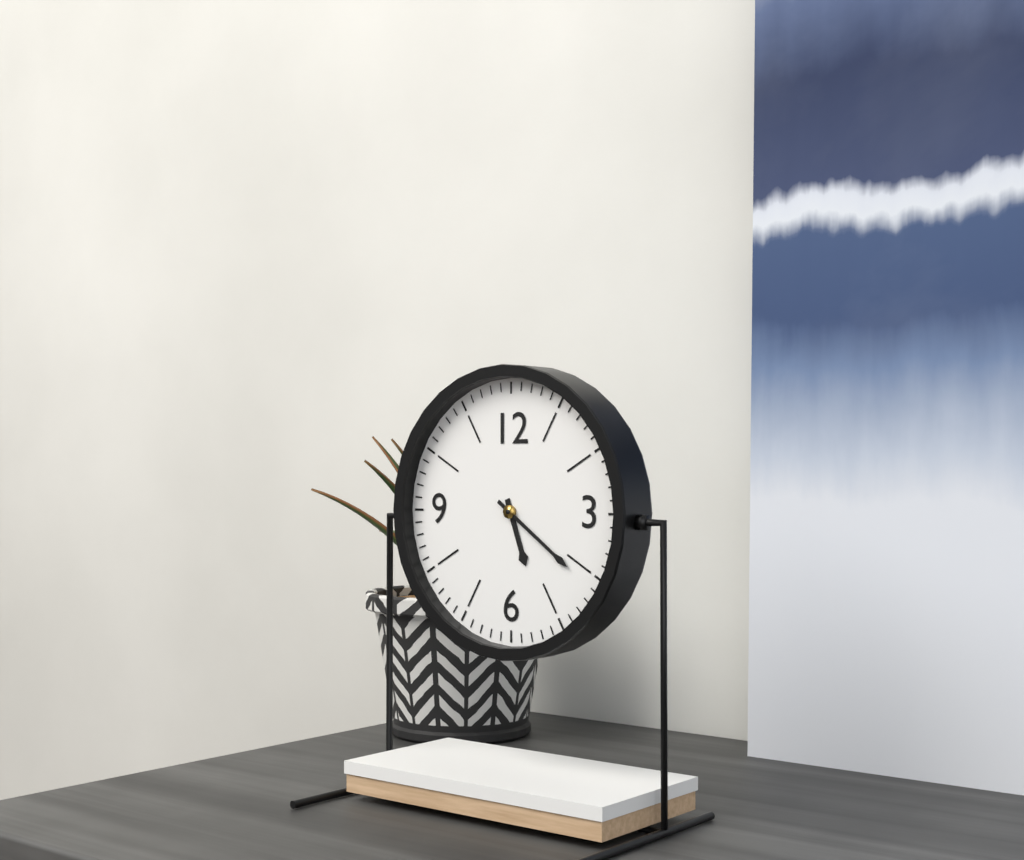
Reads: 5.21
